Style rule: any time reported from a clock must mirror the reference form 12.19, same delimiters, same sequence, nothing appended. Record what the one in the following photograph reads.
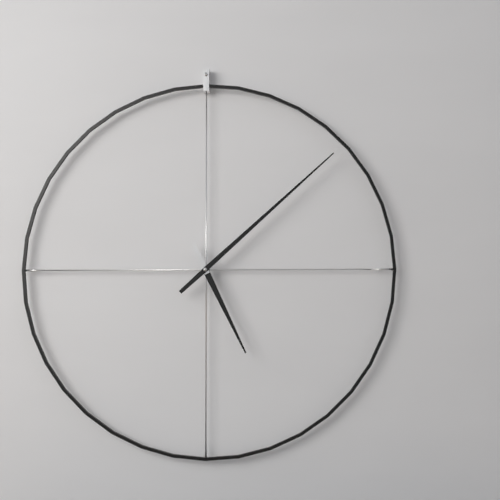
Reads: 5.08
